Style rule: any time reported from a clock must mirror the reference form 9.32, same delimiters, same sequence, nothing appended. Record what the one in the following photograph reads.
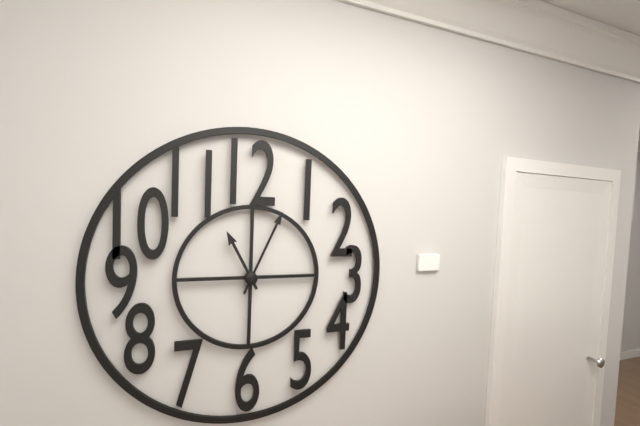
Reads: 11.04
